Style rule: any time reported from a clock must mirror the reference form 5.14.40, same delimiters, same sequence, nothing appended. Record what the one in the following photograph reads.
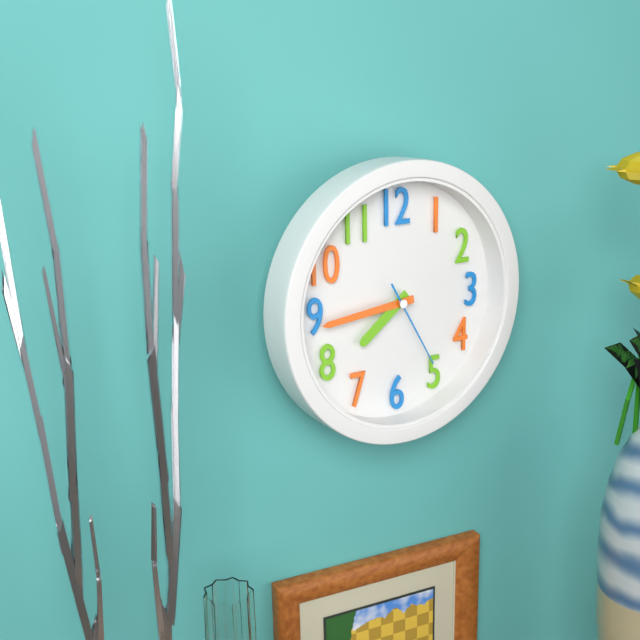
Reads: 7.44.25
